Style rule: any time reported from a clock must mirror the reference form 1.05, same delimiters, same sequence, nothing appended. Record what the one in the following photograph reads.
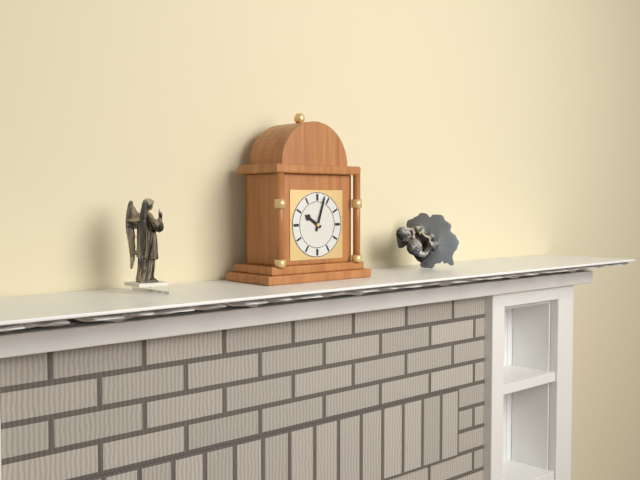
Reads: 10.03
